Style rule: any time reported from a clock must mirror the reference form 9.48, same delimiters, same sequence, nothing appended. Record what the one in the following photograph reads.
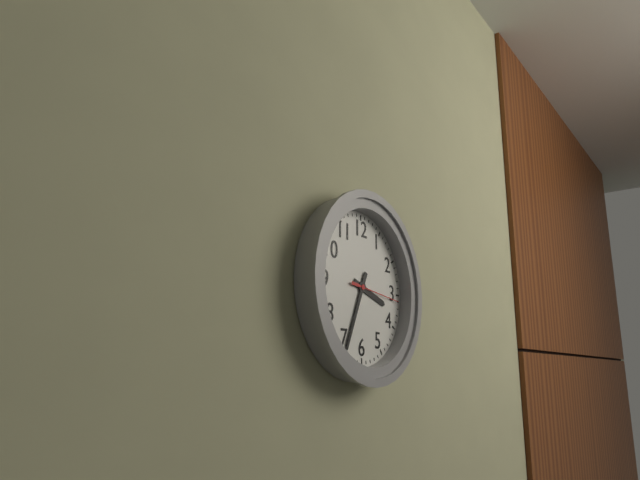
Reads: 3.34
